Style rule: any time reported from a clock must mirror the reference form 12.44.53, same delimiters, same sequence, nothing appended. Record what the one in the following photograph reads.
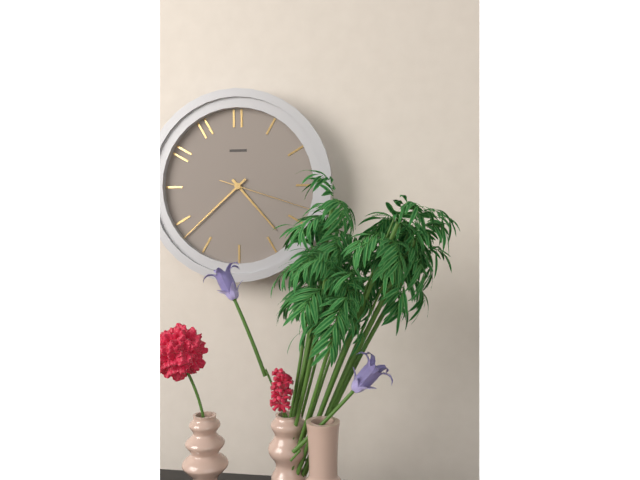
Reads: 4.38.18
